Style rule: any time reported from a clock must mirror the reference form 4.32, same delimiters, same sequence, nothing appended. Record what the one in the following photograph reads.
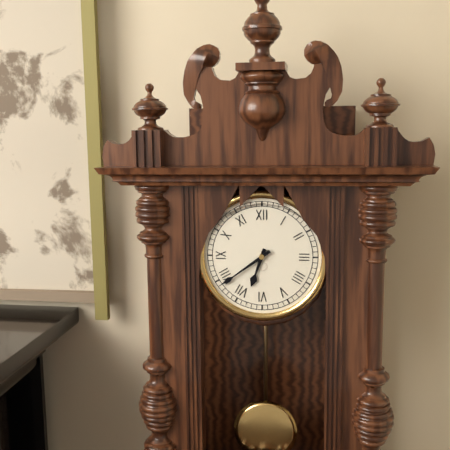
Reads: 6.39
